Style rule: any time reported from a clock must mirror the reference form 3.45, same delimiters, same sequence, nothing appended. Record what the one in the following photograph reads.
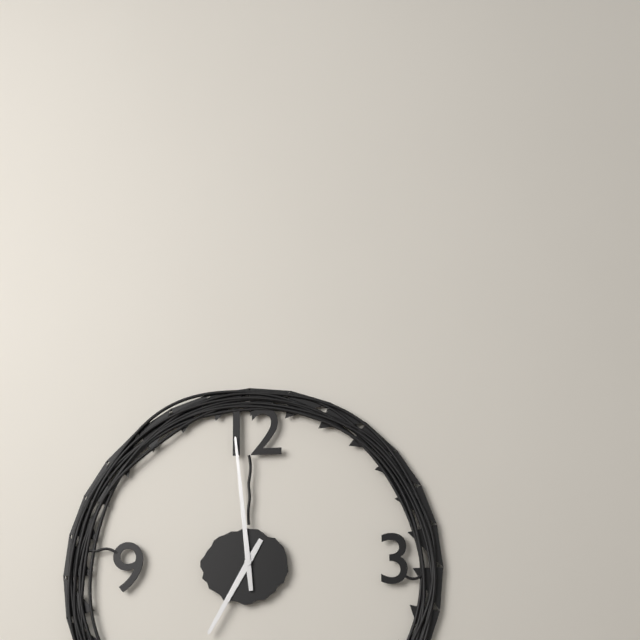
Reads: 6.59
